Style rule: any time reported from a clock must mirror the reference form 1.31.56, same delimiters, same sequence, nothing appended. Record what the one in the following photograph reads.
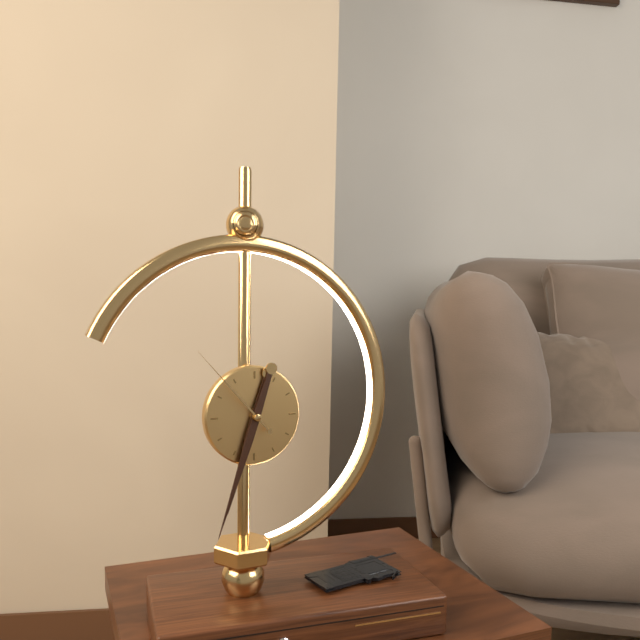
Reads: 6.33.53
